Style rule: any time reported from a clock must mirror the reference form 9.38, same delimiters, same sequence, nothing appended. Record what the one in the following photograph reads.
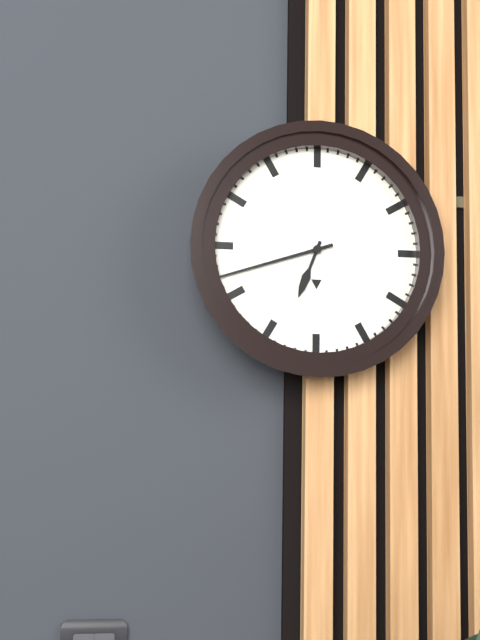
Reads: 6.42
